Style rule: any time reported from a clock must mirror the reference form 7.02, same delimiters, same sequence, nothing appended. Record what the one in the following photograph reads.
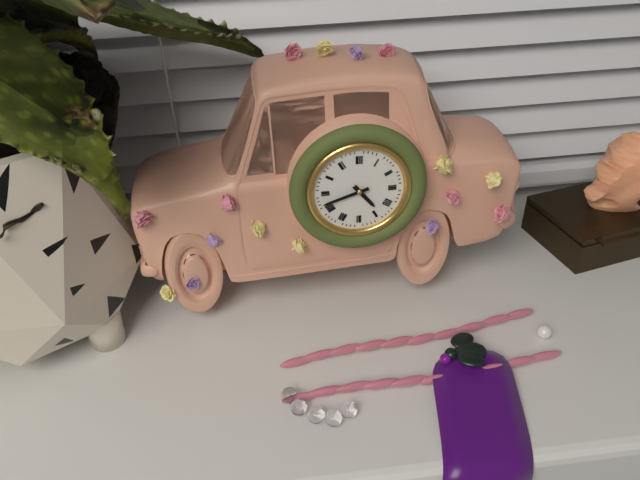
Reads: 4.42
